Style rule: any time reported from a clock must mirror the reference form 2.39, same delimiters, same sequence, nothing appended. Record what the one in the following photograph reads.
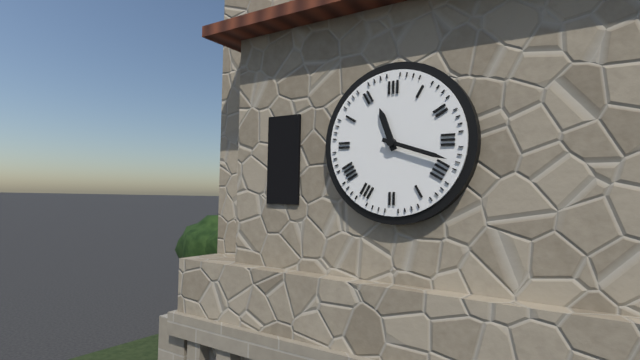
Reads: 11.18
